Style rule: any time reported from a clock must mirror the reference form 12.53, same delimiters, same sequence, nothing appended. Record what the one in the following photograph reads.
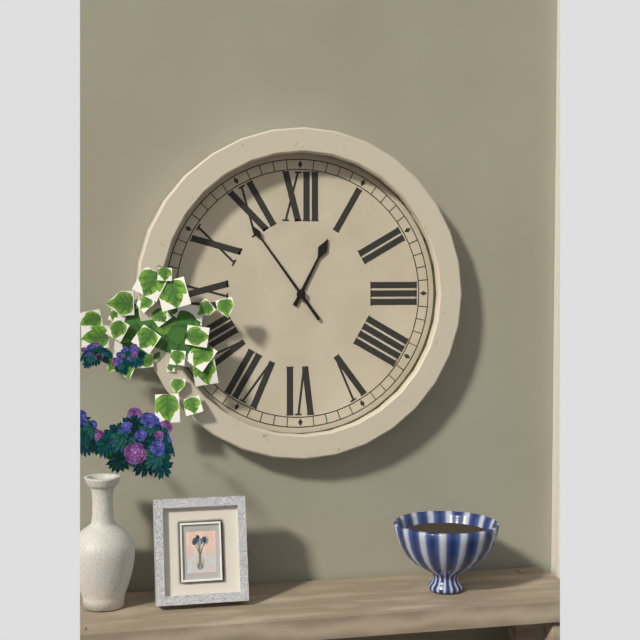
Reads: 12.54
